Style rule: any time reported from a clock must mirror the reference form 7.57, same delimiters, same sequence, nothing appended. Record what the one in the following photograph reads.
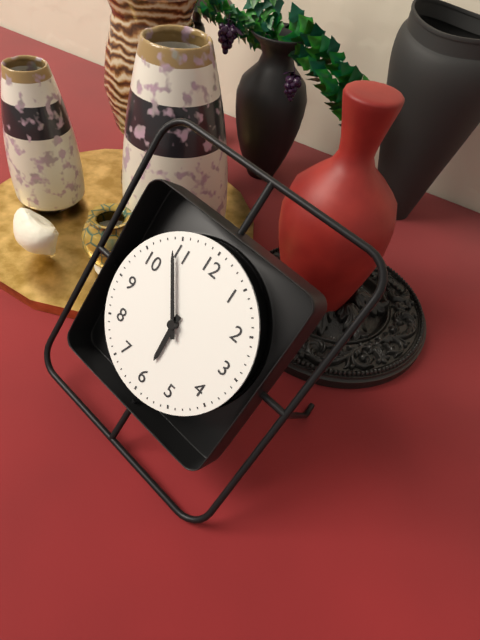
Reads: 5.54
